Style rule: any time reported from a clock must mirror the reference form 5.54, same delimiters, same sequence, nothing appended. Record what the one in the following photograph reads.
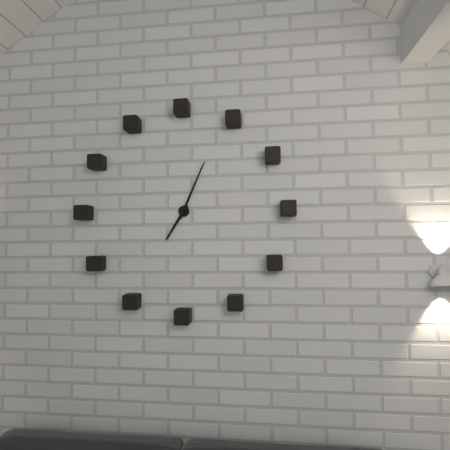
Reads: 7.04
